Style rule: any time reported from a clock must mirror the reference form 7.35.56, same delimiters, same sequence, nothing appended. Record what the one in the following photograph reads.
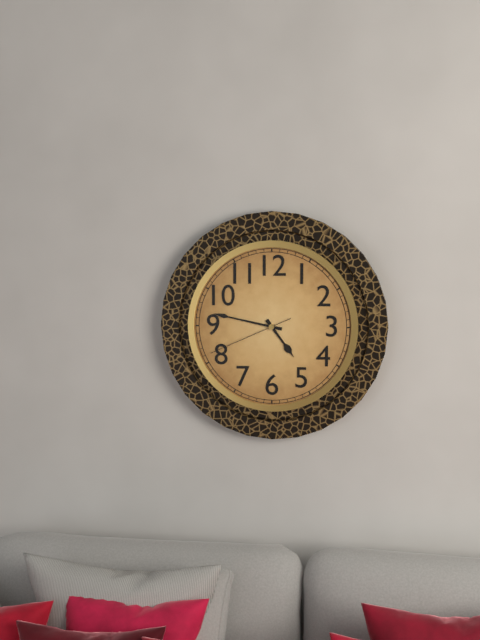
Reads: 4.47.41
